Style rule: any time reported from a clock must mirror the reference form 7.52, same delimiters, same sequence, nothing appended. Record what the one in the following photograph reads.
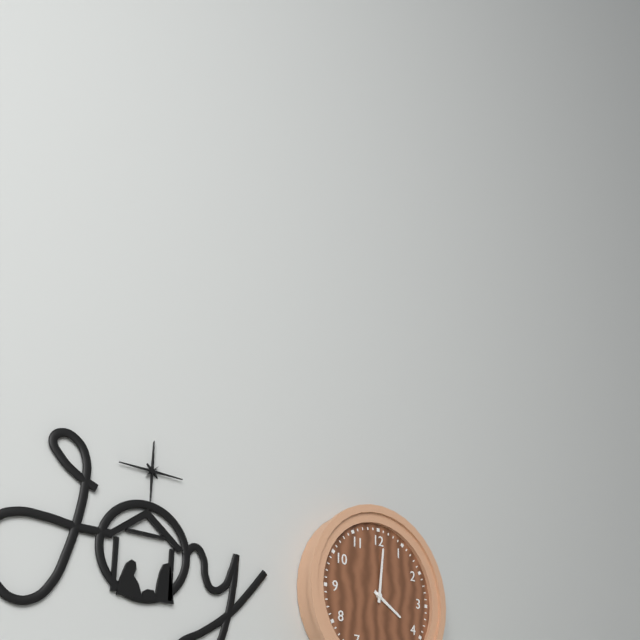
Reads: 4.01
